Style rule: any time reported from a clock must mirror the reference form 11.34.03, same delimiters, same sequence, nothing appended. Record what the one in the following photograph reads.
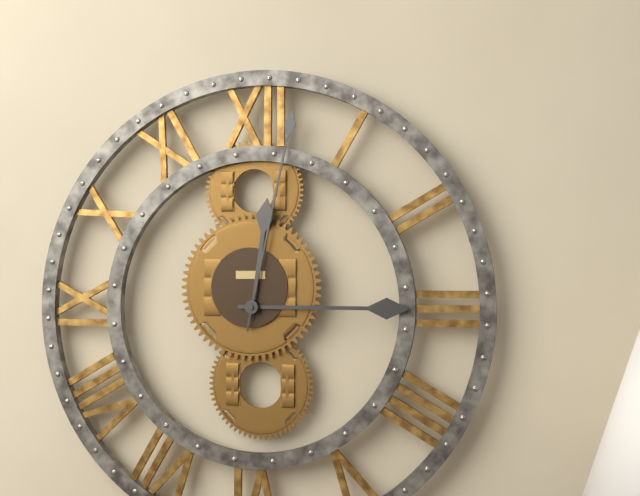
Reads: 12.15.02
